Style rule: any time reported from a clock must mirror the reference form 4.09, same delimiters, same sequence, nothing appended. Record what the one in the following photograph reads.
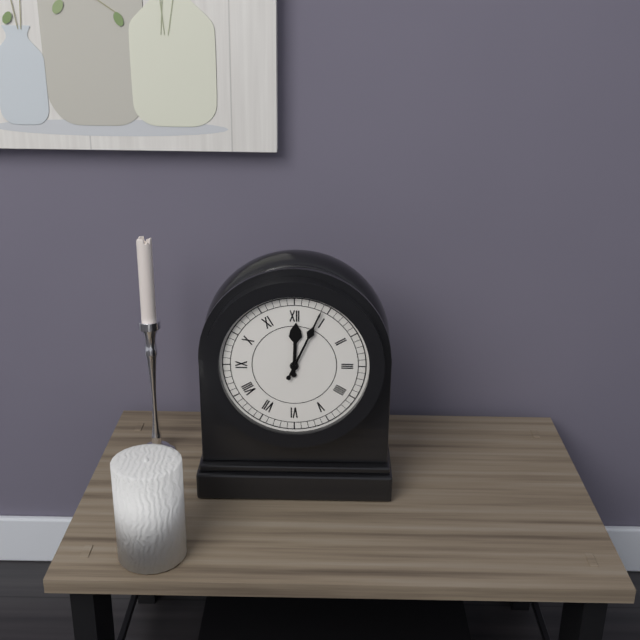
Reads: 12.04
